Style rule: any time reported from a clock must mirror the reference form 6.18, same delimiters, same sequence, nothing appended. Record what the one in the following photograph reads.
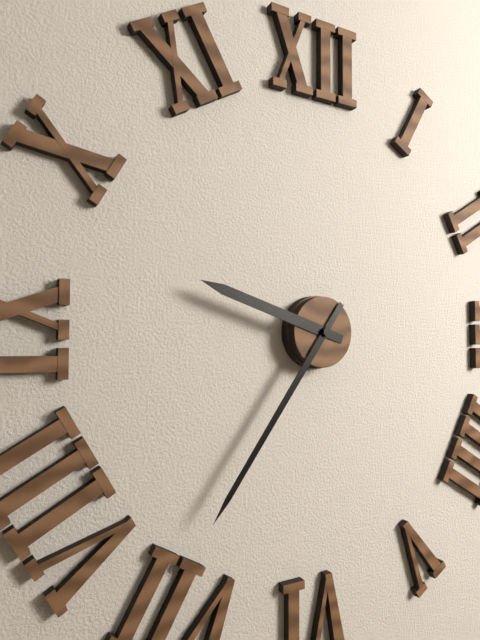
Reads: 9.36
